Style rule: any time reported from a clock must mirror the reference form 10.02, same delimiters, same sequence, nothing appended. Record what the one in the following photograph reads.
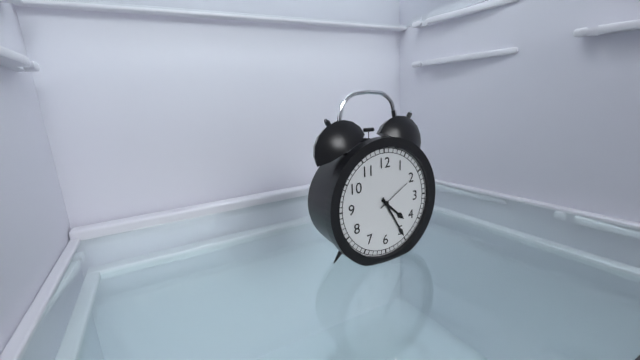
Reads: 4.25
